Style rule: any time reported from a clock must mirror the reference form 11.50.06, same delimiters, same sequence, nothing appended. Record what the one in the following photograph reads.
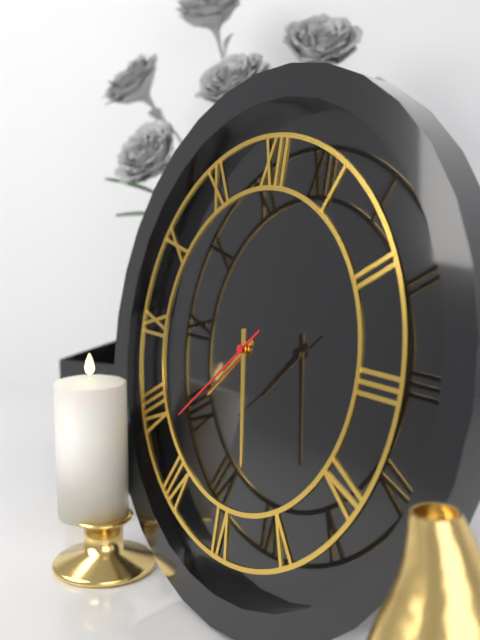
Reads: 7.28.38
